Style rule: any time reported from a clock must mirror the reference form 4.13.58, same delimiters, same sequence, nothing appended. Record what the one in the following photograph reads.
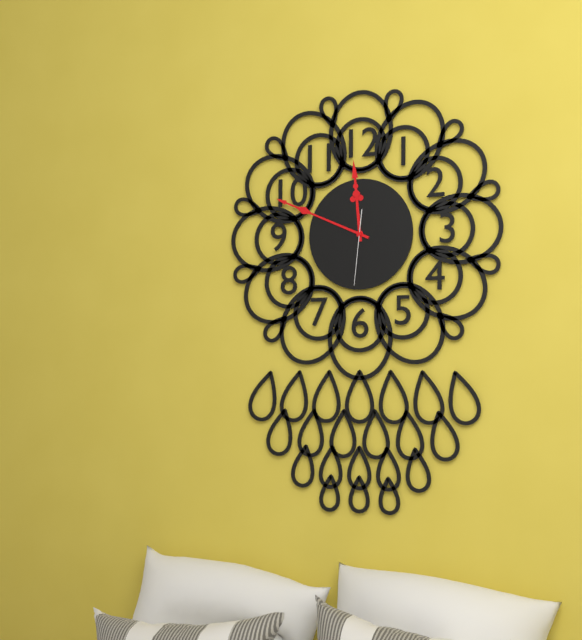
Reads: 11.49.31
